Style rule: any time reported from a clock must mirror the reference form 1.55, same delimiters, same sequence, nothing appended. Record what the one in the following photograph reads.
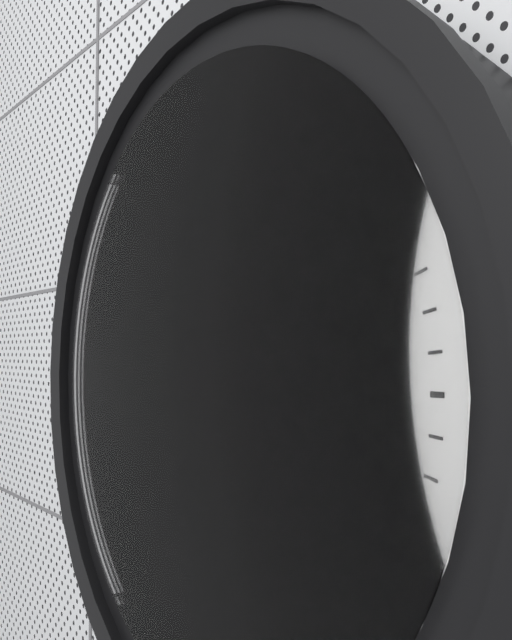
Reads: 5.42
